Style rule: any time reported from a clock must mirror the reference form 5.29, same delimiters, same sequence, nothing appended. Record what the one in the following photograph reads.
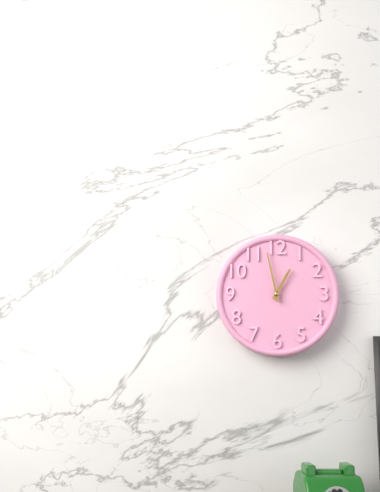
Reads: 12.58
